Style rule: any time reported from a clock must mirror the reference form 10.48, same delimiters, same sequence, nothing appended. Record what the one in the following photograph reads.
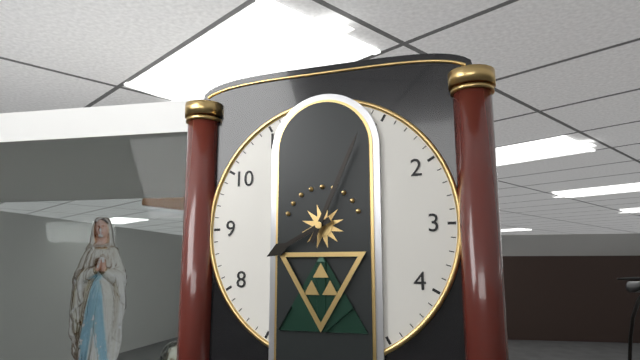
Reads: 8.04
